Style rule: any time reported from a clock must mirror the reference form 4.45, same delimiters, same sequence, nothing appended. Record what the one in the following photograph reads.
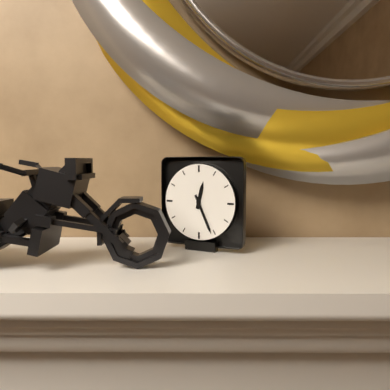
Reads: 12.26
